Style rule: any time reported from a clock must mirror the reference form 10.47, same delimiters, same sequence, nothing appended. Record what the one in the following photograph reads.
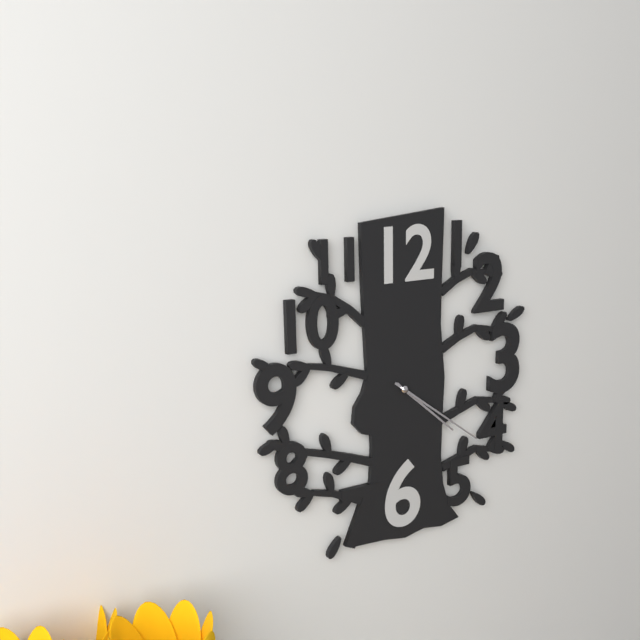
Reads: 4.21
